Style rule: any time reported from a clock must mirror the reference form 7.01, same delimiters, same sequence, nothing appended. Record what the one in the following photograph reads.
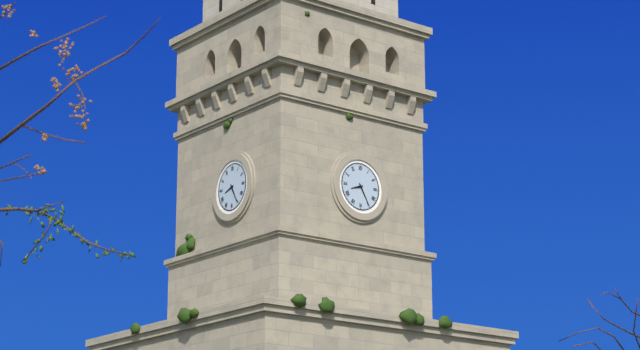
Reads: 8.25
